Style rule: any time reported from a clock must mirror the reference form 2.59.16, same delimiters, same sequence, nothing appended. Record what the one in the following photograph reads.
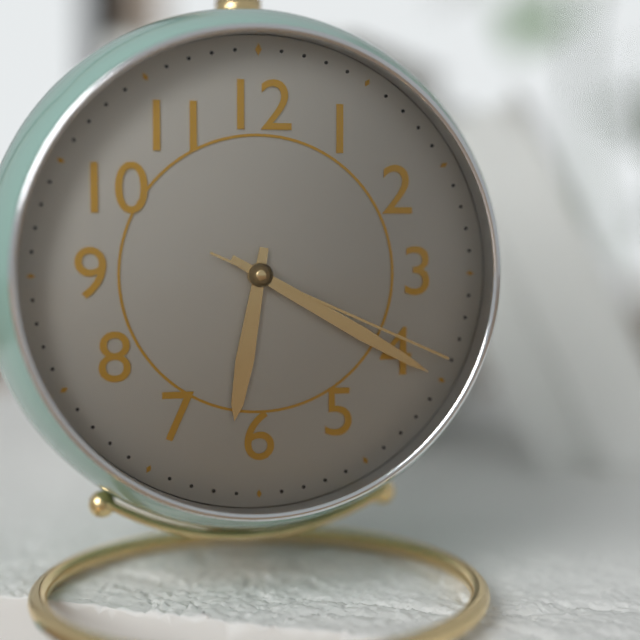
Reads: 6.20.19
